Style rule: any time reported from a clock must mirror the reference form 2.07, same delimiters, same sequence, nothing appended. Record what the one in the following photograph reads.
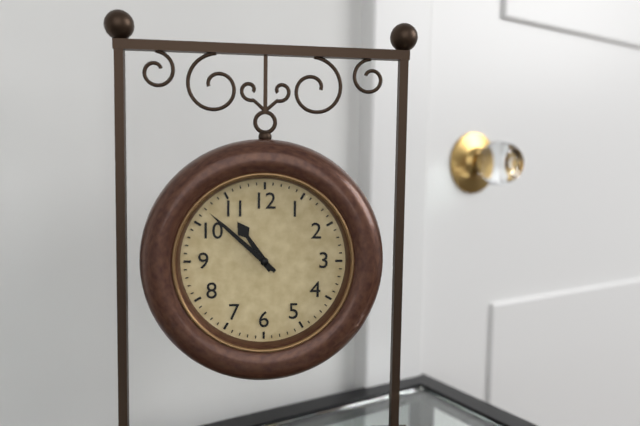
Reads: 10.52
